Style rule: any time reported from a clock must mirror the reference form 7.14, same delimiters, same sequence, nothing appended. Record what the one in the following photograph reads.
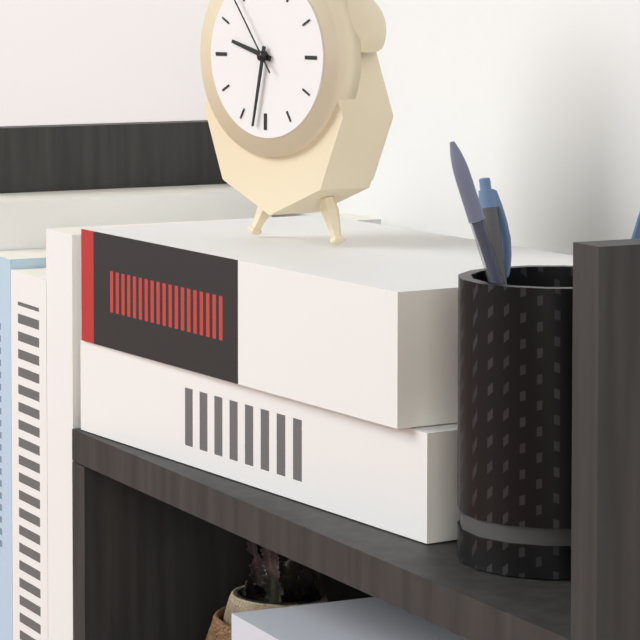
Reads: 9.32
